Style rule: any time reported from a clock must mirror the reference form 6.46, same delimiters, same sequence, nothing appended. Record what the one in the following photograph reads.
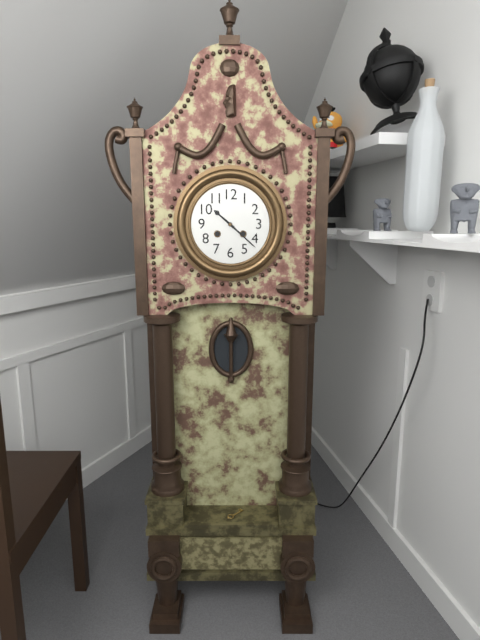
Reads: 10.22
